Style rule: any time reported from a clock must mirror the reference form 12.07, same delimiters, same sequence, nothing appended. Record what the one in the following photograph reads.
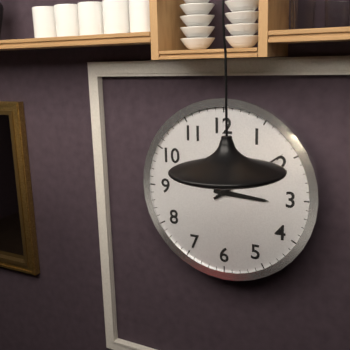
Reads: 3.09
